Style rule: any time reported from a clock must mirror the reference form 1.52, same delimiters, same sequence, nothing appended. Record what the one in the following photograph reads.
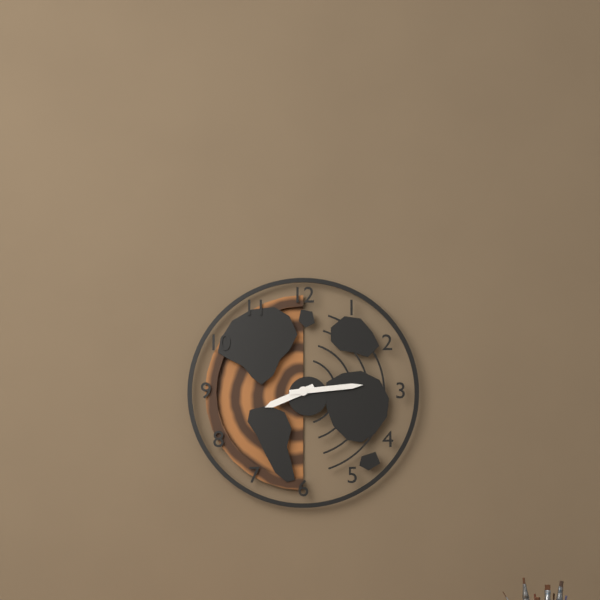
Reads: 8.14
